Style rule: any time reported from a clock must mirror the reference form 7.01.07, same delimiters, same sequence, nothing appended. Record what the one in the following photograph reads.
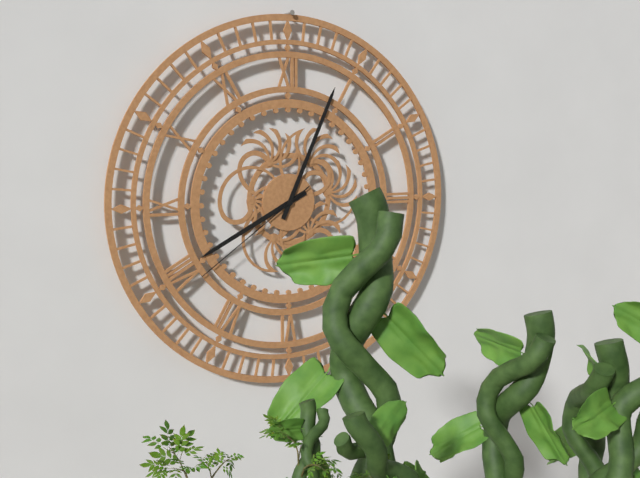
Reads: 8.04.39
